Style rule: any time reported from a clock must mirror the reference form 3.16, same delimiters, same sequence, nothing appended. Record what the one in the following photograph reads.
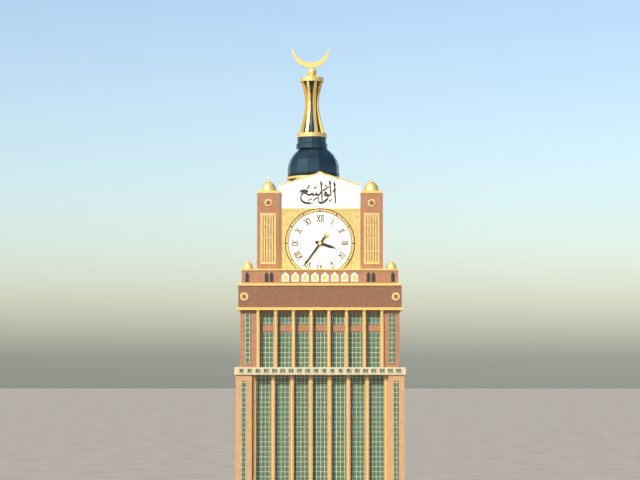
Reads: 3.36
